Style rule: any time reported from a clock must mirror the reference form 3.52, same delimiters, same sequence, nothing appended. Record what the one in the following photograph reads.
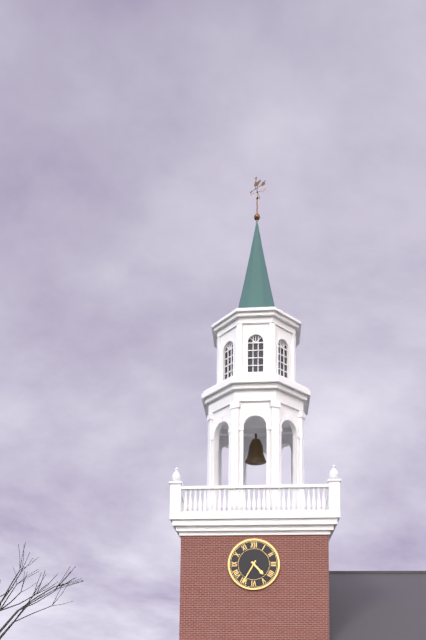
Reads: 4.35
